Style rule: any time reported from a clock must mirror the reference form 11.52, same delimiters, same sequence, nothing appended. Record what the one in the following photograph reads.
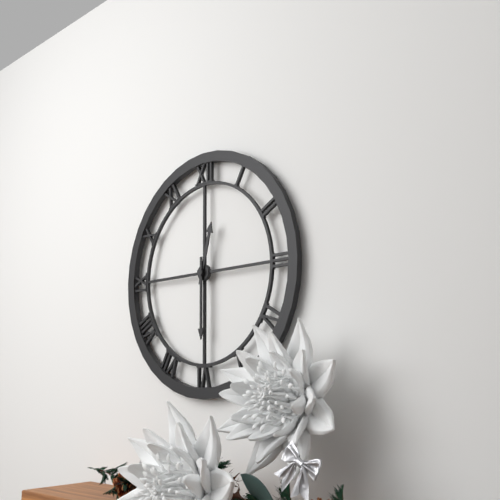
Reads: 12.30
